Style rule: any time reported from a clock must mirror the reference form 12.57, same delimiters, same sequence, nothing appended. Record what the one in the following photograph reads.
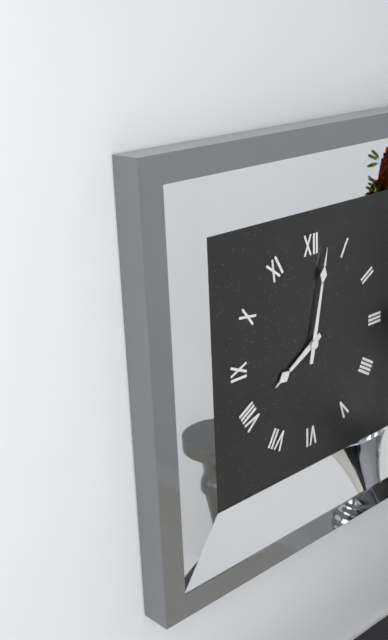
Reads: 8.02
